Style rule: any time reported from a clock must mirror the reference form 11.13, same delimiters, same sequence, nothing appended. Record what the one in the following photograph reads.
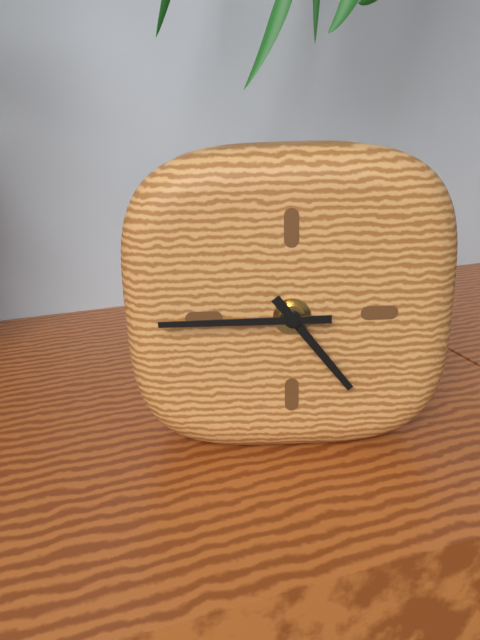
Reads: 4.45
